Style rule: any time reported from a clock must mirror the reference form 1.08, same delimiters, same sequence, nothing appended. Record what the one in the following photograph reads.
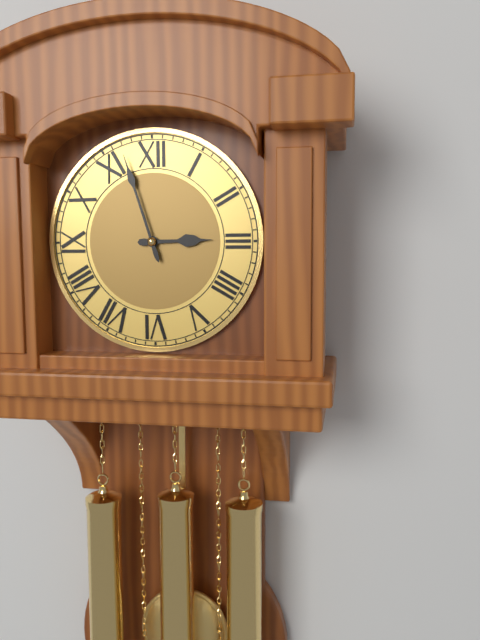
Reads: 2.57
